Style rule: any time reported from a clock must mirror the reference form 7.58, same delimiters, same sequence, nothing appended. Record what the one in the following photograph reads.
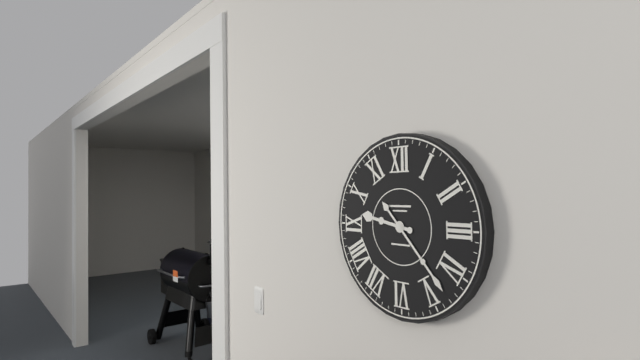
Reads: 9.23
